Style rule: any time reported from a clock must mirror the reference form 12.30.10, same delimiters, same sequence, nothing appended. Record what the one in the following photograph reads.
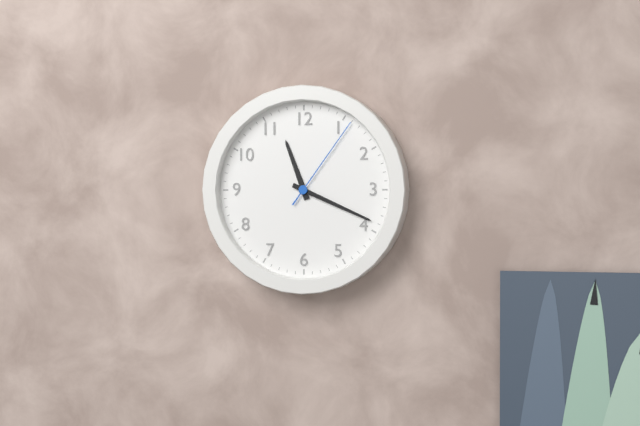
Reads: 11.19.06
